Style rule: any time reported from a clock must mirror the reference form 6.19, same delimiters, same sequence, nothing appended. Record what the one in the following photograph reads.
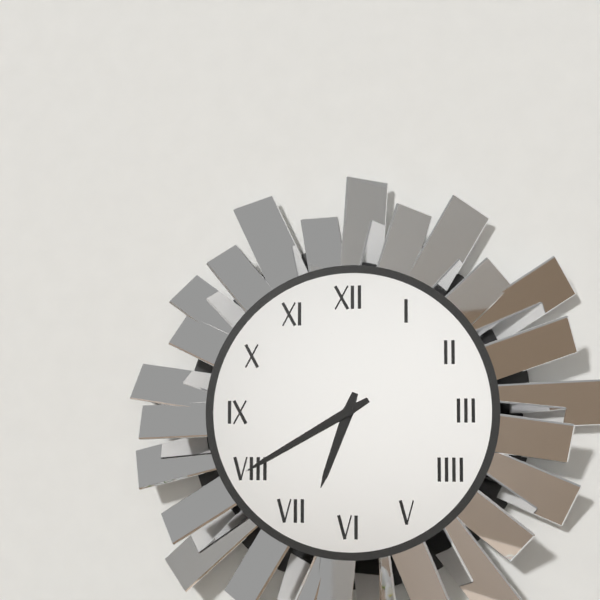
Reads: 6.40
